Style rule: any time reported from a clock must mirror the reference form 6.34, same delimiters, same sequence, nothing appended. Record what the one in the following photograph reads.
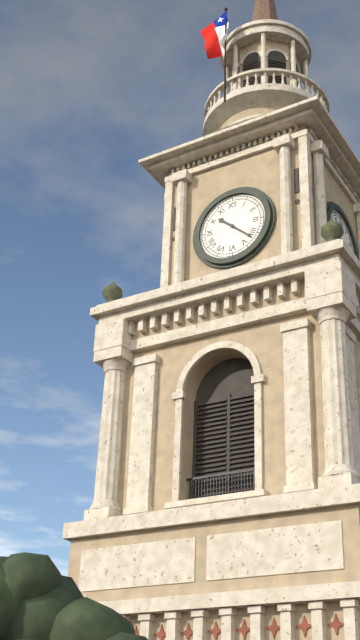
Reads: 10.22
